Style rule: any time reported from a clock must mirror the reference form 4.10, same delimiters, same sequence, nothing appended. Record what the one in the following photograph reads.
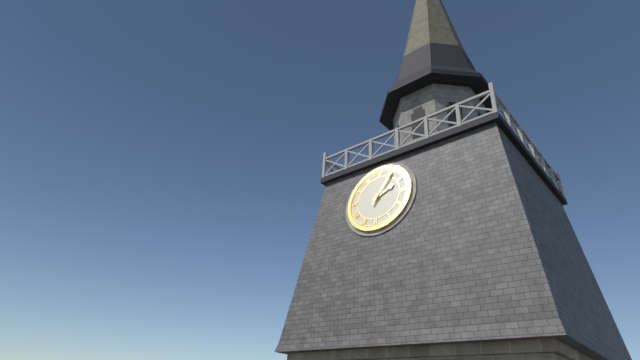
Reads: 2.05
